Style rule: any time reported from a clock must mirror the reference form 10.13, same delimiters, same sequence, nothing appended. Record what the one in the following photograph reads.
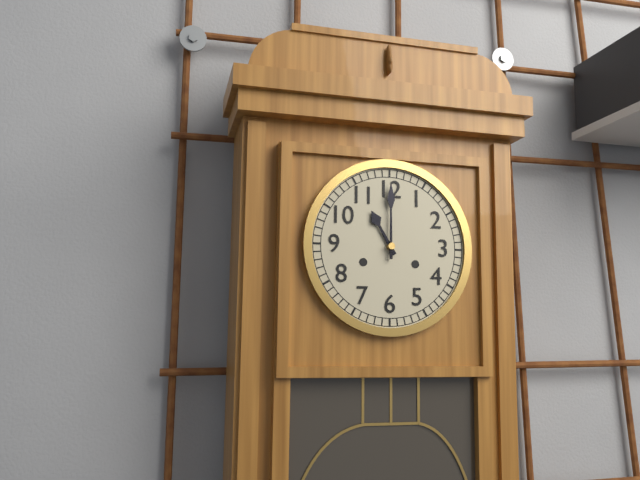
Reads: 11.00
